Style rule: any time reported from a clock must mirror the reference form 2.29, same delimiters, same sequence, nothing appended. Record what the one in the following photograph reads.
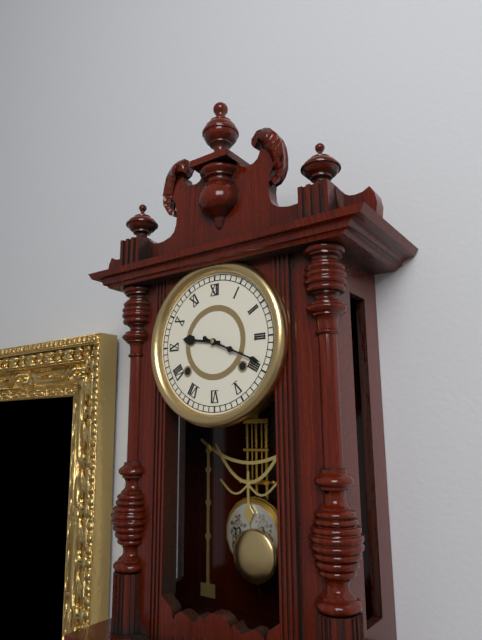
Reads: 9.19
